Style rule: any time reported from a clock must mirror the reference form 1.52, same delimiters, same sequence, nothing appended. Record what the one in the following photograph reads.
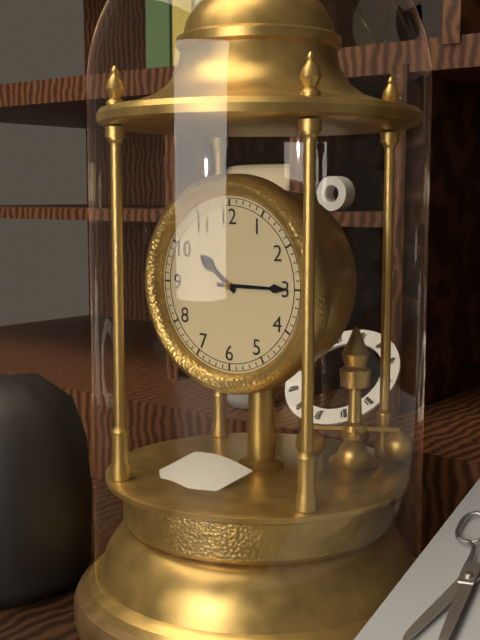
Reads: 10.15
